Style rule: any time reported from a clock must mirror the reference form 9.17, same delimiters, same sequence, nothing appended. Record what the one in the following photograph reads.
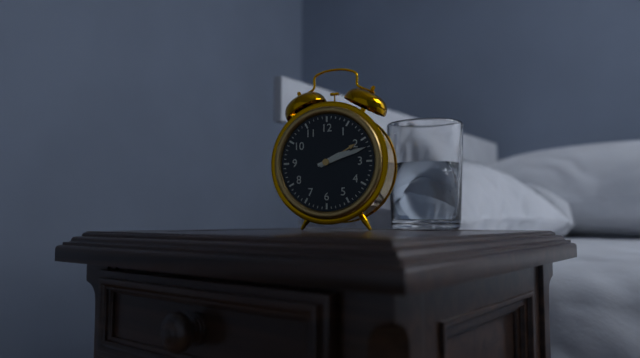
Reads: 2.12
